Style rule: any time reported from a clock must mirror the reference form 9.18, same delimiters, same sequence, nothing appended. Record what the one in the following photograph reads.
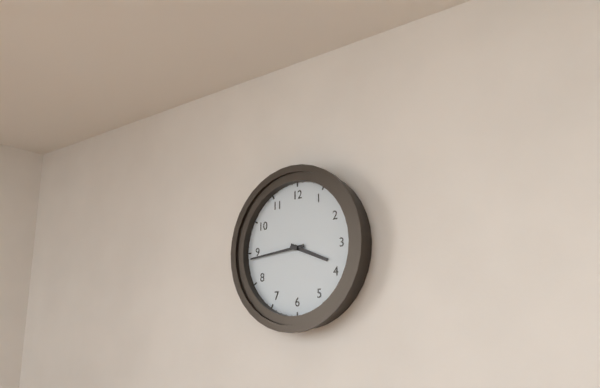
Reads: 3.44
